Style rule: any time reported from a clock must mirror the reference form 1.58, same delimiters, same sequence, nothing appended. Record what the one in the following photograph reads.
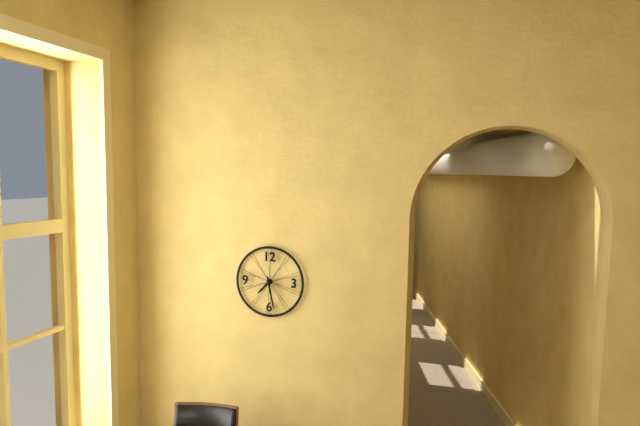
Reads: 7.28
